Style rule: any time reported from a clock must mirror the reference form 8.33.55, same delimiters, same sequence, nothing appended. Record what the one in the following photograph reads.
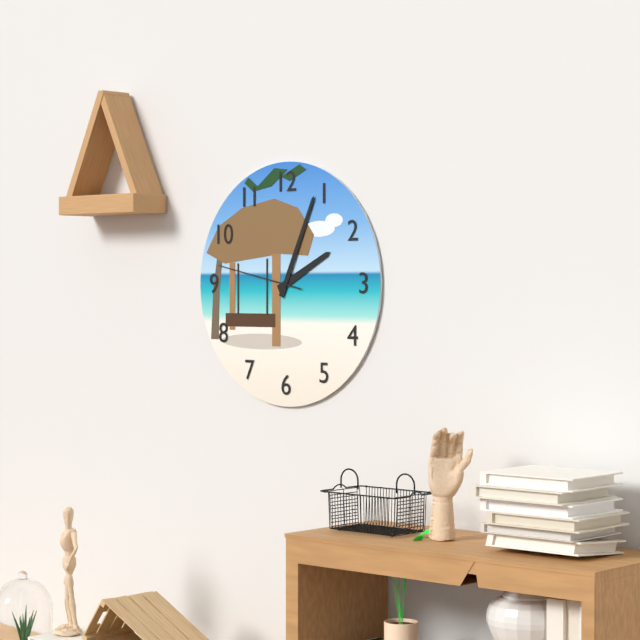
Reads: 2.04.47
